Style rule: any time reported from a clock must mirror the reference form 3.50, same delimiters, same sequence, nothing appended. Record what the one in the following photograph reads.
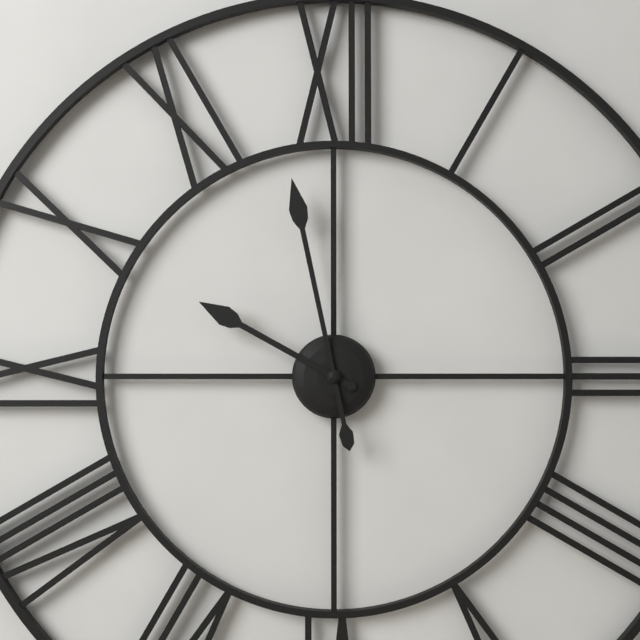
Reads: 9.58
